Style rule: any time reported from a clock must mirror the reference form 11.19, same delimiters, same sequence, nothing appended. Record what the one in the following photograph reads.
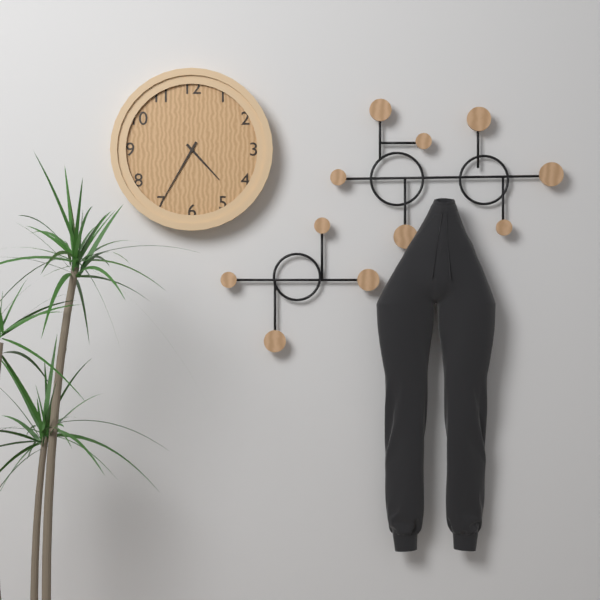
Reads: 4.35
